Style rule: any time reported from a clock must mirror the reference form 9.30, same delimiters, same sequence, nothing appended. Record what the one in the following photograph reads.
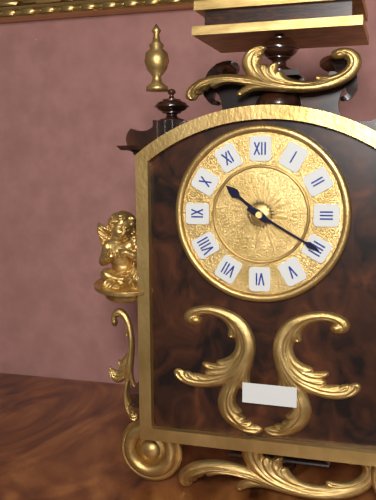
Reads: 10.20
